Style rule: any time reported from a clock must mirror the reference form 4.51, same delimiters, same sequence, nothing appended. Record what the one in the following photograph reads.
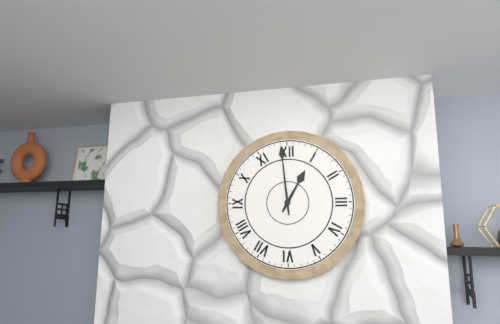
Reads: 12.59
